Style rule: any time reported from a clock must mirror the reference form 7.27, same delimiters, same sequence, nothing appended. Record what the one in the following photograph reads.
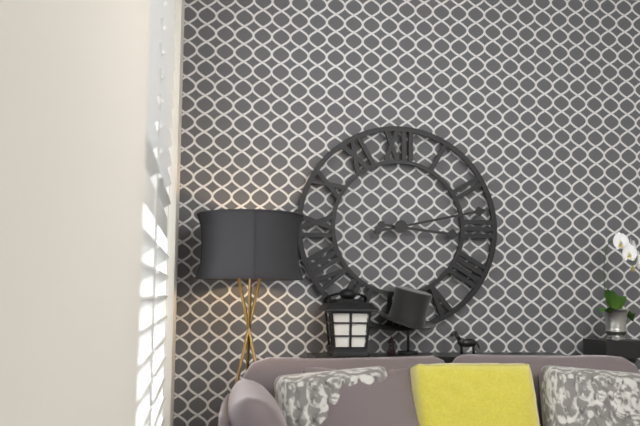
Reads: 3.13
